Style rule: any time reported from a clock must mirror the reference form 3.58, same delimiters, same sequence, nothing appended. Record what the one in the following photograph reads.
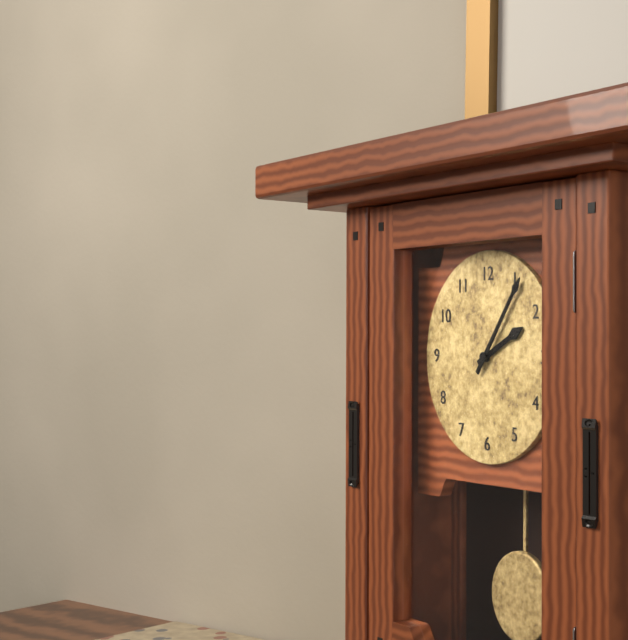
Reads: 2.06
